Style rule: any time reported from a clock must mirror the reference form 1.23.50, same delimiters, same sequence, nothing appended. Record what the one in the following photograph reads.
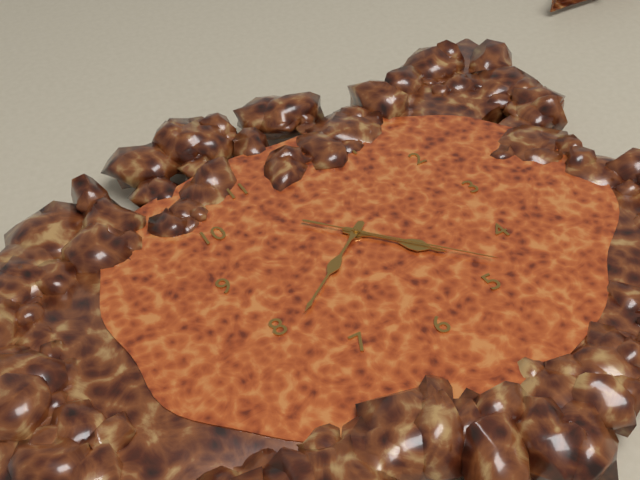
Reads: 4.39.23
